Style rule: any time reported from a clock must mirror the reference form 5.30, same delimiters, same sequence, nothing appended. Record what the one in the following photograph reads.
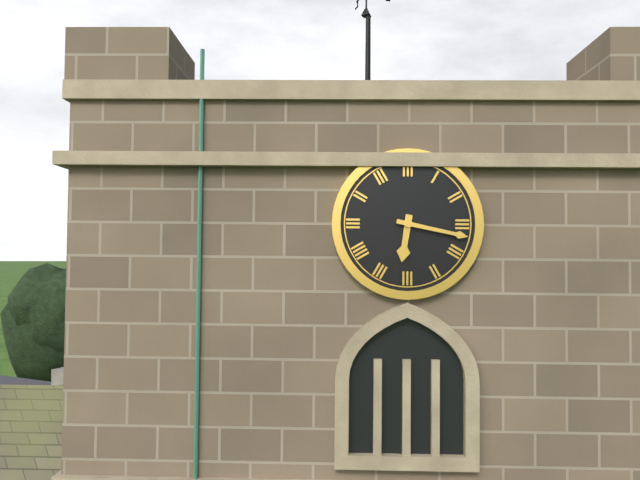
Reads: 6.17
